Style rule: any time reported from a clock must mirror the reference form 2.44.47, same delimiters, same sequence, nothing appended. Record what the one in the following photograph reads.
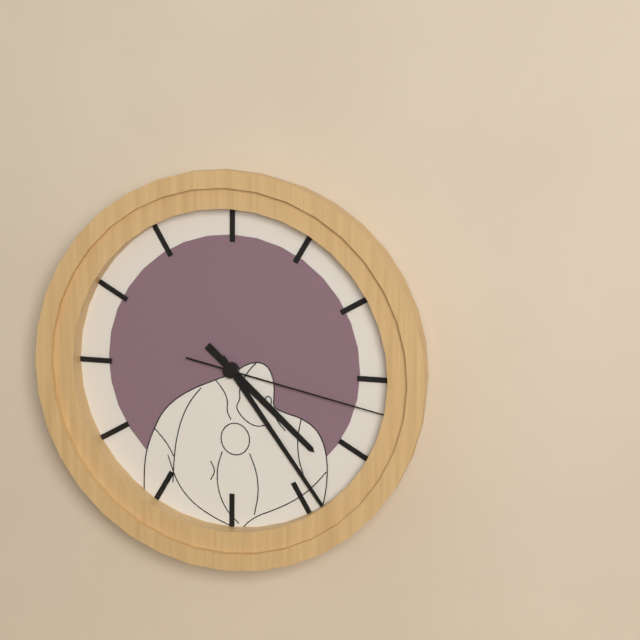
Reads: 4.24.17
